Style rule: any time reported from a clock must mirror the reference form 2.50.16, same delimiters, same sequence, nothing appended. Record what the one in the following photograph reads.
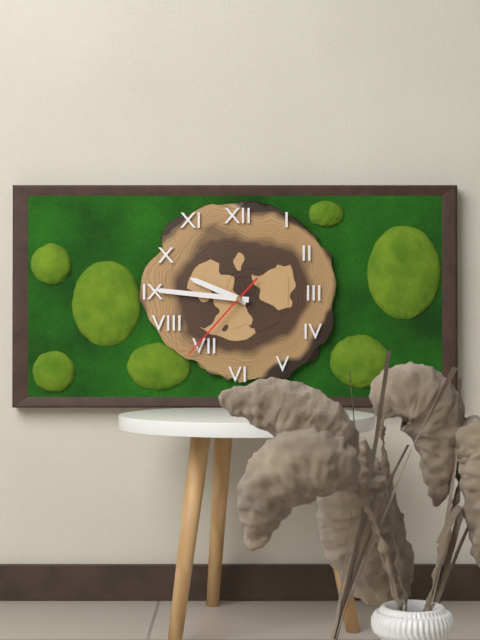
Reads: 9.46.37
